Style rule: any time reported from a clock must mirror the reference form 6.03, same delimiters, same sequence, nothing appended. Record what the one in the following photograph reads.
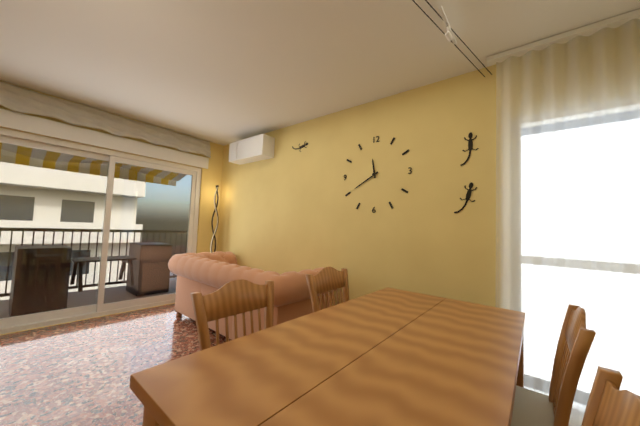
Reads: 11.40
